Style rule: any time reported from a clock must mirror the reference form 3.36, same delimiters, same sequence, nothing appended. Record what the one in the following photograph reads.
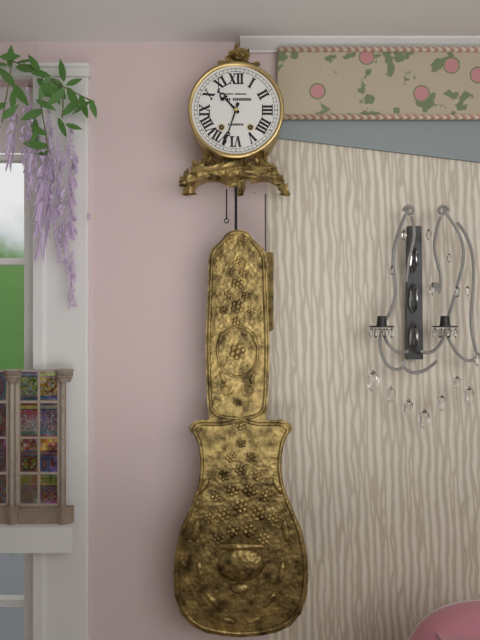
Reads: 10.33
